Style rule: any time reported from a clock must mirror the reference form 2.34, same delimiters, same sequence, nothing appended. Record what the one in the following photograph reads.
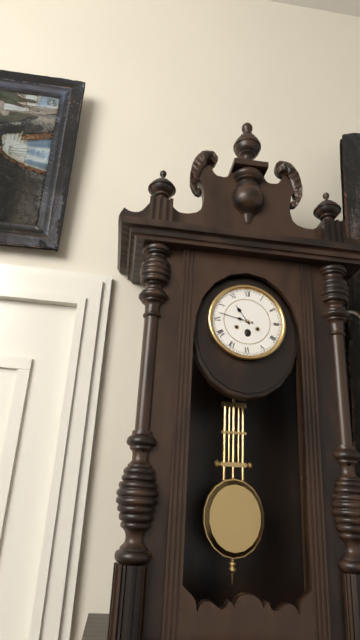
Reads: 10.47
